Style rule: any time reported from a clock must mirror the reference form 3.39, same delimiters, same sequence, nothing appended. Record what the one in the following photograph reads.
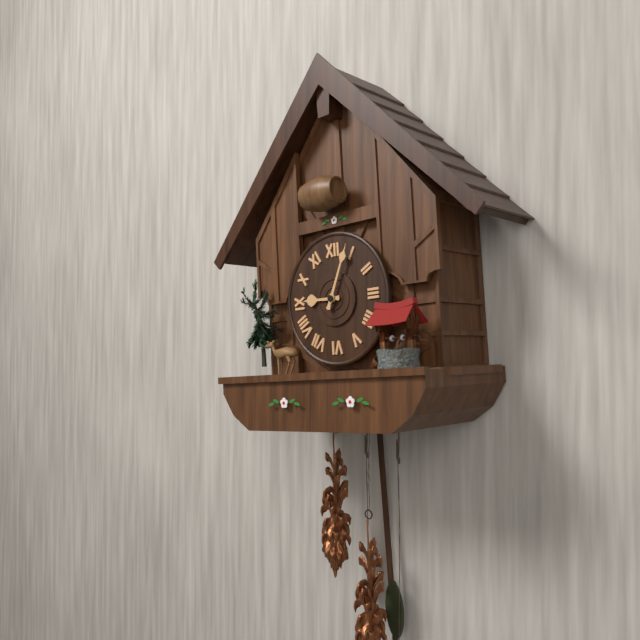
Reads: 9.04
